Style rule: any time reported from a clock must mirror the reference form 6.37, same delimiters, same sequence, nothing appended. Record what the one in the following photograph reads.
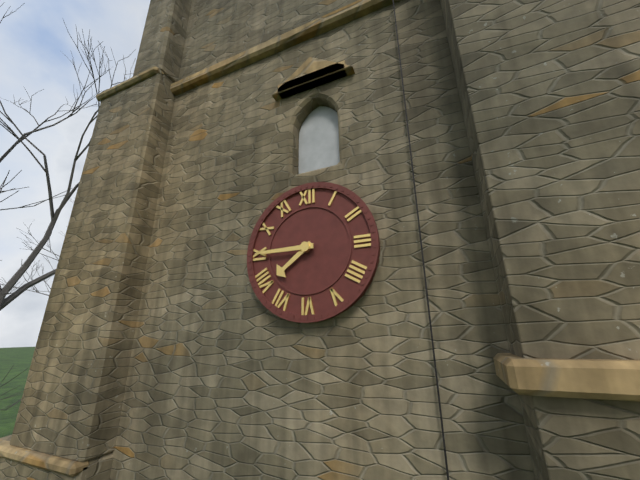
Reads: 7.45
